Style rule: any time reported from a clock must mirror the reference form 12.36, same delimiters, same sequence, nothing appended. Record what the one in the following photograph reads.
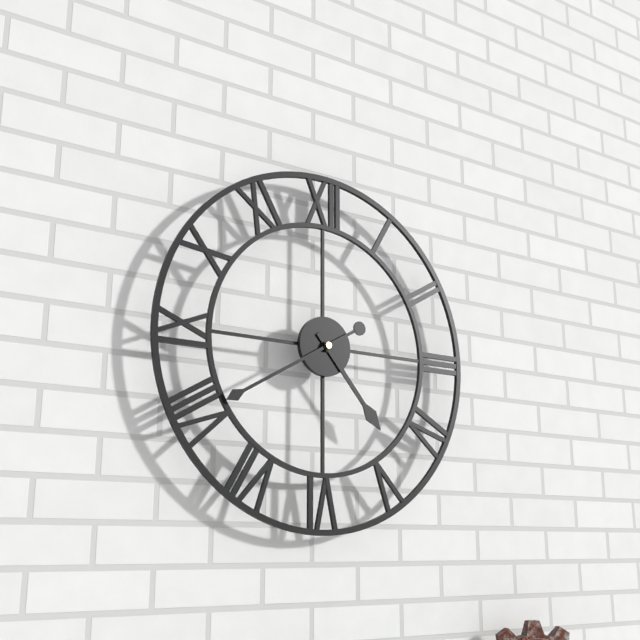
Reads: 4.40
